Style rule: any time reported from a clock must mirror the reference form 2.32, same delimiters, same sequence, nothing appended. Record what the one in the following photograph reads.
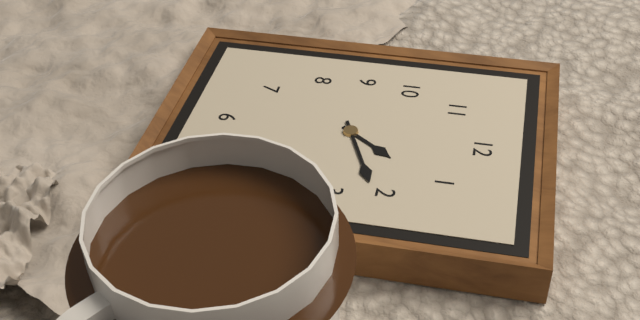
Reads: 1.11
